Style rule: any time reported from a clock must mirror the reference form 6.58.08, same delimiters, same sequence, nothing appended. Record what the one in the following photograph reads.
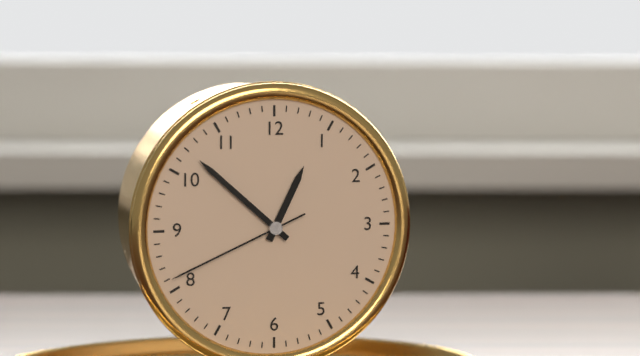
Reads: 12.52.41
